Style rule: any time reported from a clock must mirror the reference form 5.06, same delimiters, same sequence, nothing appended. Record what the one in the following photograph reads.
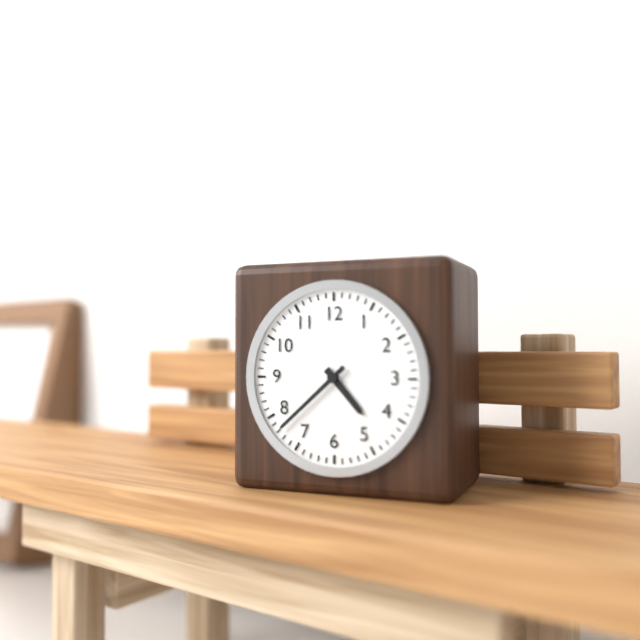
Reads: 4.38
